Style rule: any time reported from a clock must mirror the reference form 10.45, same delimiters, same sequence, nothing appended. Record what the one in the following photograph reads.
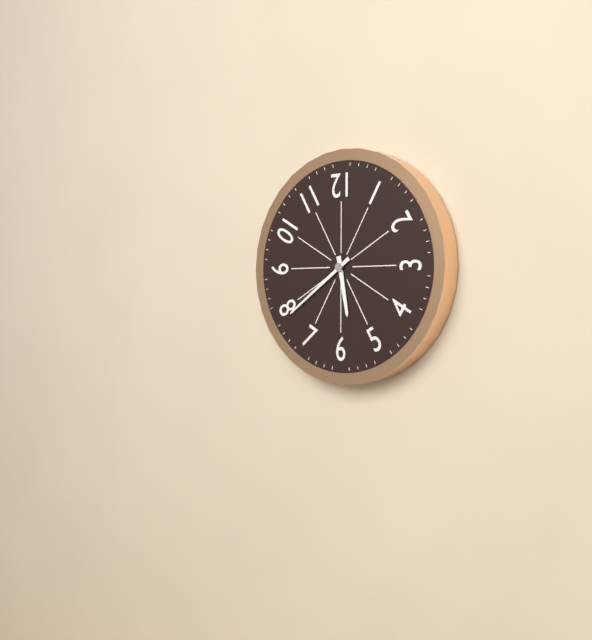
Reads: 5.39
